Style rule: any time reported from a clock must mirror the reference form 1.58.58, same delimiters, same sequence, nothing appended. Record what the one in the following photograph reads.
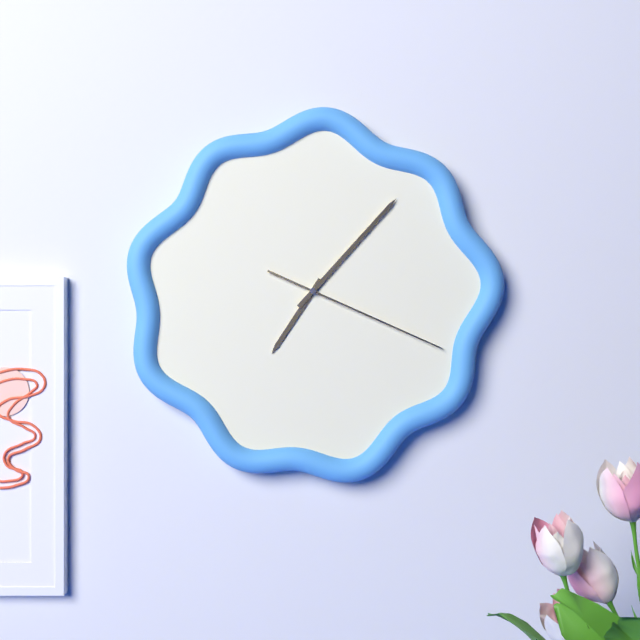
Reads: 7.07.19
